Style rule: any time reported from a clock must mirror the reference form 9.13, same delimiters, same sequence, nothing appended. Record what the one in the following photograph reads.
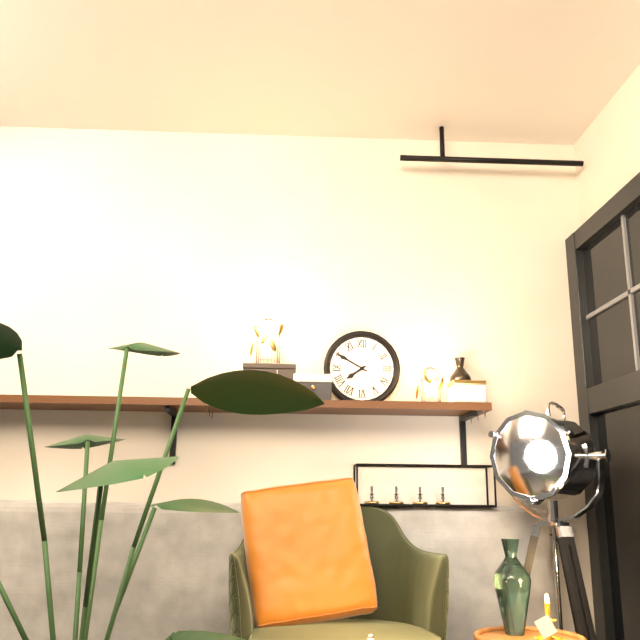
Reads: 7.50
